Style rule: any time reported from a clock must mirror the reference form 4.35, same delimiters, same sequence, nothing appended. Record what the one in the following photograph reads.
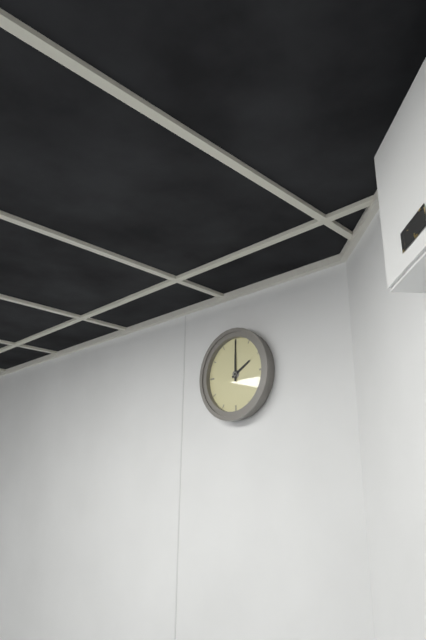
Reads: 2.00
